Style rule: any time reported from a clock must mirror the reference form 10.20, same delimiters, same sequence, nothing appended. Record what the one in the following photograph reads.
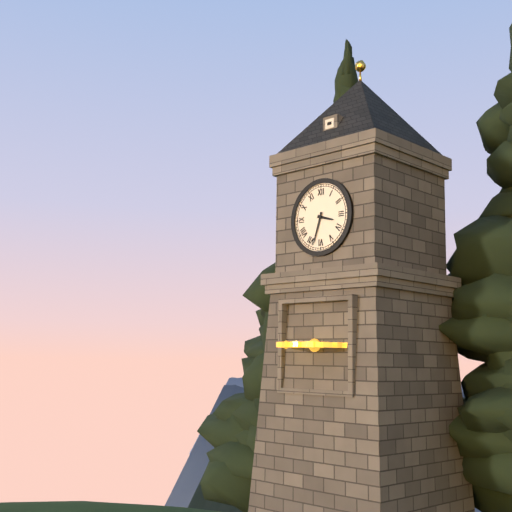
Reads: 3.33
